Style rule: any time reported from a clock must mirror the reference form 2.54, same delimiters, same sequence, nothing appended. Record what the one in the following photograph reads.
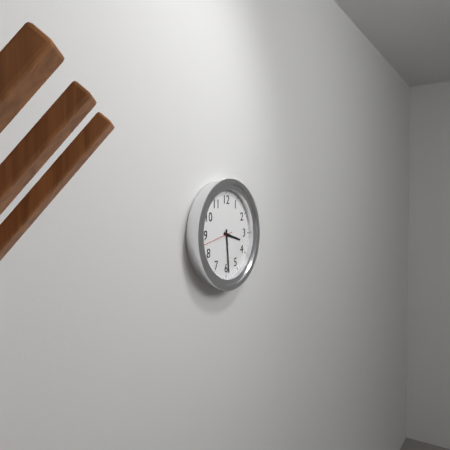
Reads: 3.29
